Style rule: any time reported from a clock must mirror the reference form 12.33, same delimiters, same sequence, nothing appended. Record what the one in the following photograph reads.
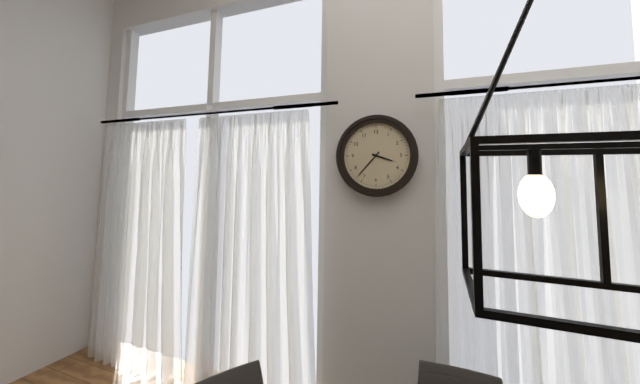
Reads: 3.37
